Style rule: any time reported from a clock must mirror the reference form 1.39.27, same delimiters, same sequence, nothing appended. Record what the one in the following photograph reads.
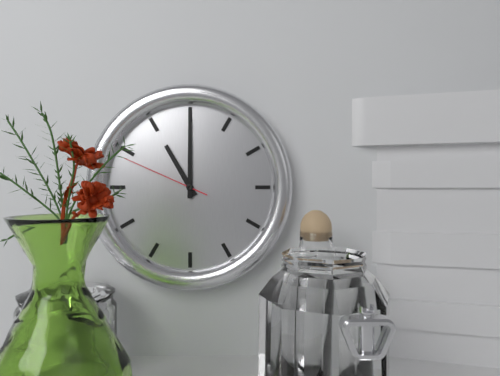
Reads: 11.00.49
